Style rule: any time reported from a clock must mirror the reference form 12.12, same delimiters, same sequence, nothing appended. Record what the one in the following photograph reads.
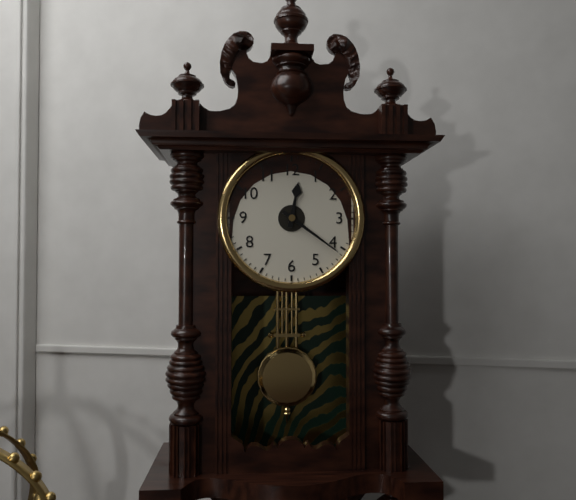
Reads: 12.21
